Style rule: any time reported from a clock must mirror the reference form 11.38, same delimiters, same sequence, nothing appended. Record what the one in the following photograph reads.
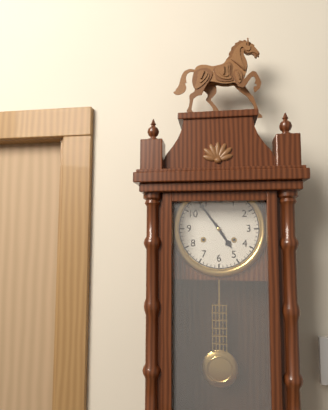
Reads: 4.54
